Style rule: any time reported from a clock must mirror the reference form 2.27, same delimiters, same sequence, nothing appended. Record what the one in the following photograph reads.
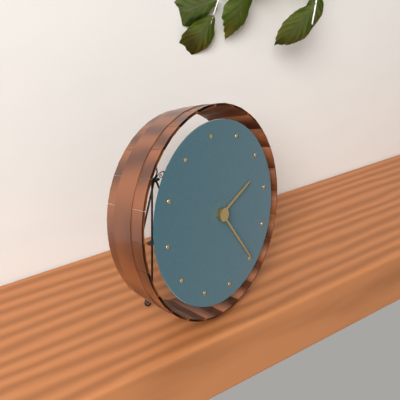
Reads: 2.25
